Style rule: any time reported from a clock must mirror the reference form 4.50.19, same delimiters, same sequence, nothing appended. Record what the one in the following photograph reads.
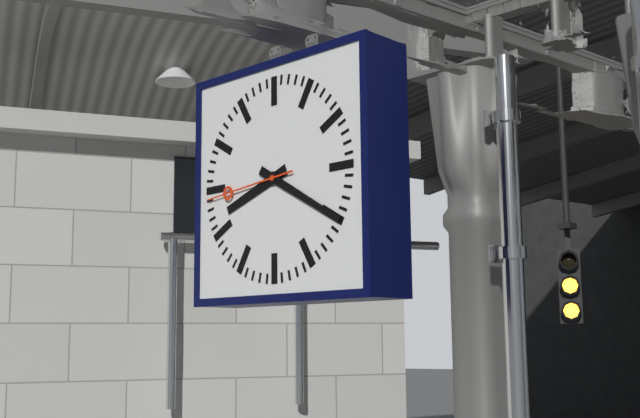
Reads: 8.20.44
